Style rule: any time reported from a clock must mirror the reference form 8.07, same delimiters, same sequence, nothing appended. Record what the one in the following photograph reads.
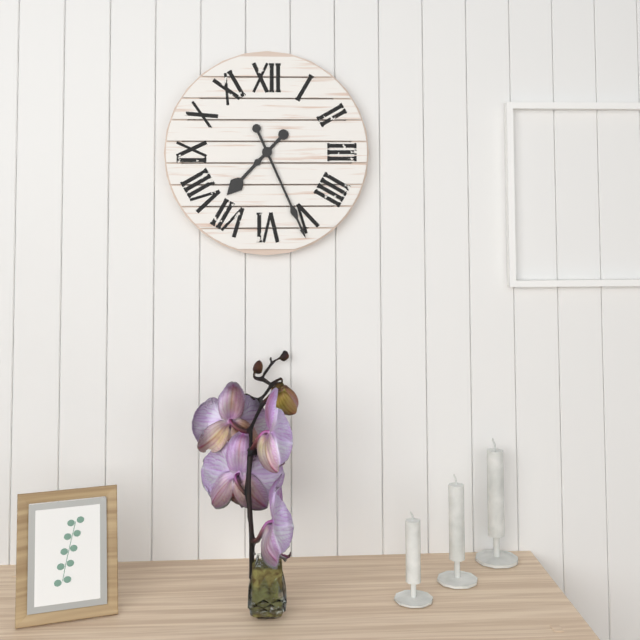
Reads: 7.26
